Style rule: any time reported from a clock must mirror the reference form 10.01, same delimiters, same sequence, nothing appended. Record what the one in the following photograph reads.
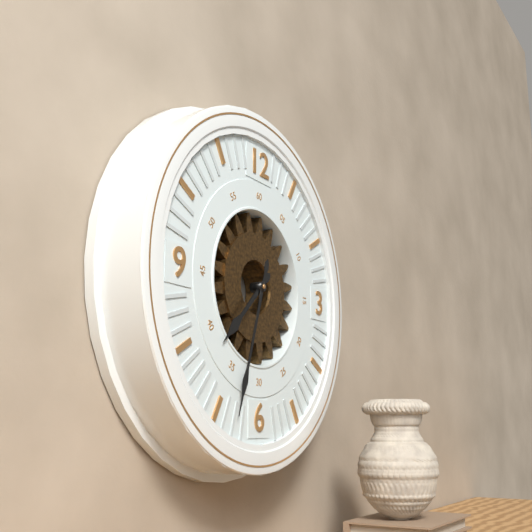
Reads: 7.33
